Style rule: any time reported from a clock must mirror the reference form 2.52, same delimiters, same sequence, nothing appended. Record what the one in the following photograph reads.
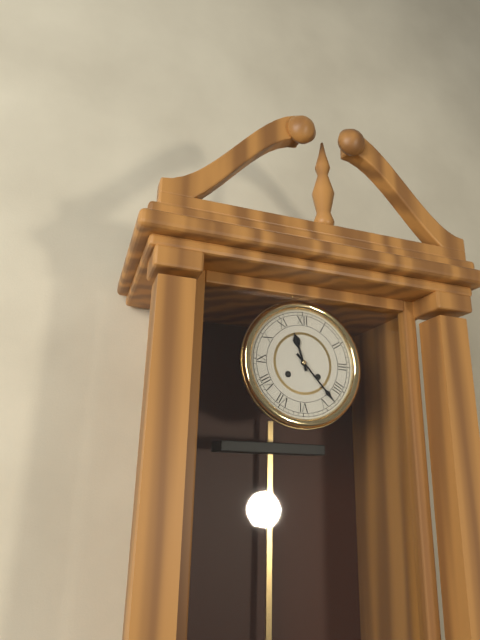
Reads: 11.23
